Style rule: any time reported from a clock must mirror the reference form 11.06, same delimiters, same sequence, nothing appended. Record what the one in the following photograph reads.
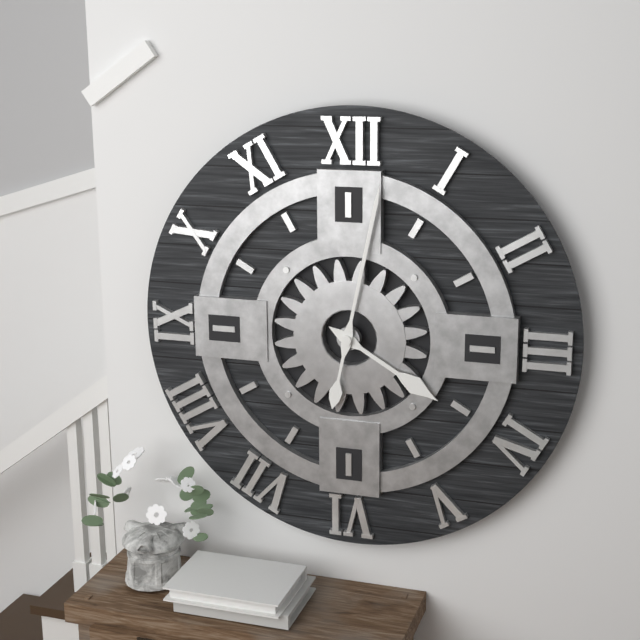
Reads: 4.02
